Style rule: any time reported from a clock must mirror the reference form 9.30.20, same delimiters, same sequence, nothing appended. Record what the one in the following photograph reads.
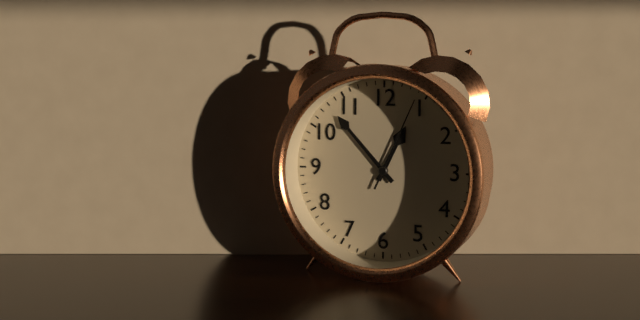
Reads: 12.53.04
